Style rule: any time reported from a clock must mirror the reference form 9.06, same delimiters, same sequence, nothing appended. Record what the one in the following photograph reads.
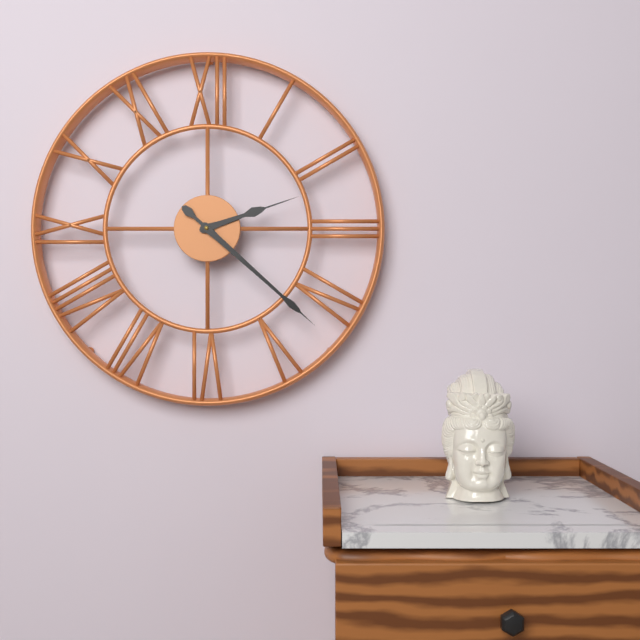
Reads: 2.22
